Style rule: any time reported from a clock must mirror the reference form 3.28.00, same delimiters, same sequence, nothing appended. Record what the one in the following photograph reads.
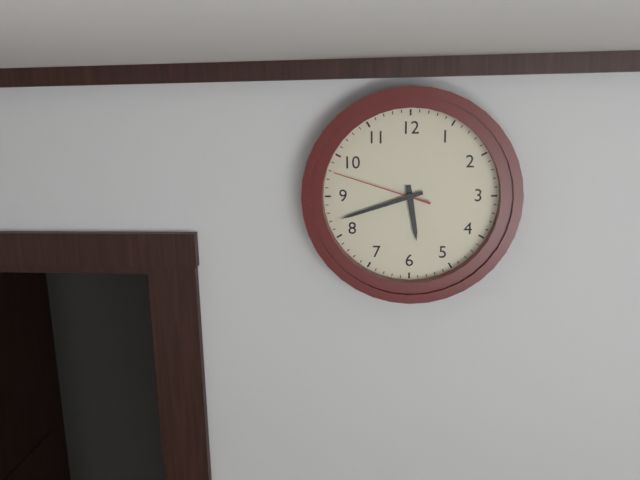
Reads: 5.42.48
